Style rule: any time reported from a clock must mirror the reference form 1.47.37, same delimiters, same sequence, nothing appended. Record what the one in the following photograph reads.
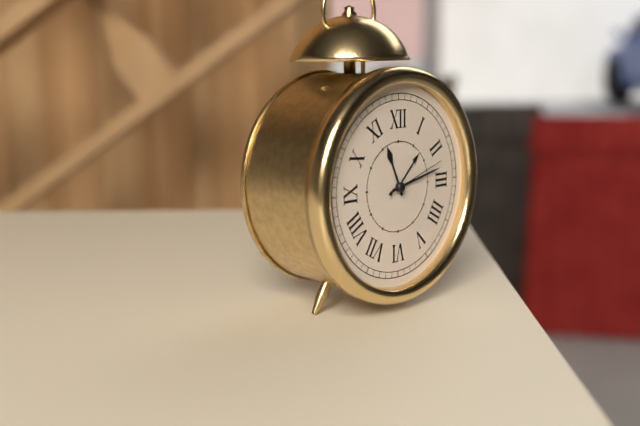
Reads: 11.13.12
